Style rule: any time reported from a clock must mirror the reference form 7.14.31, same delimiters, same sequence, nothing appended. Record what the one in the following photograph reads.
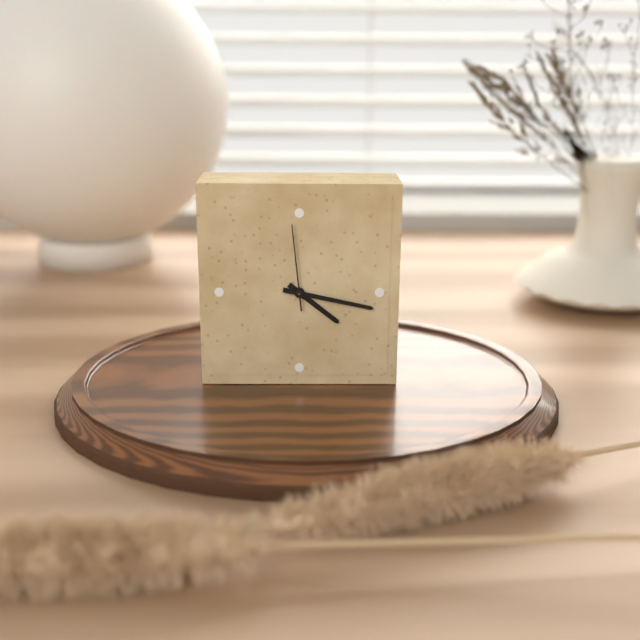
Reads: 4.17.59
